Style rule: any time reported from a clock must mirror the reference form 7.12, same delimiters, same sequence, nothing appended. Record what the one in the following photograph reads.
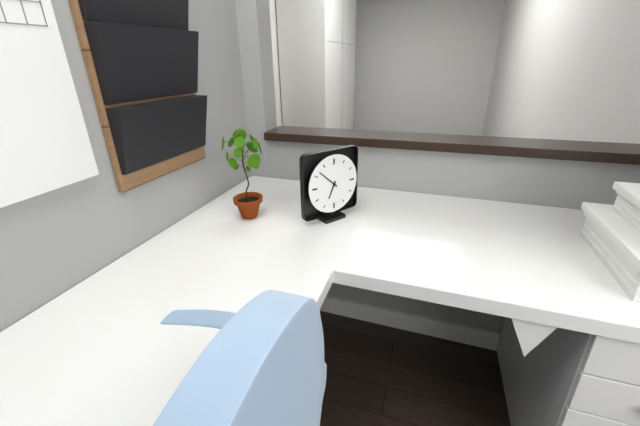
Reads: 6.52
